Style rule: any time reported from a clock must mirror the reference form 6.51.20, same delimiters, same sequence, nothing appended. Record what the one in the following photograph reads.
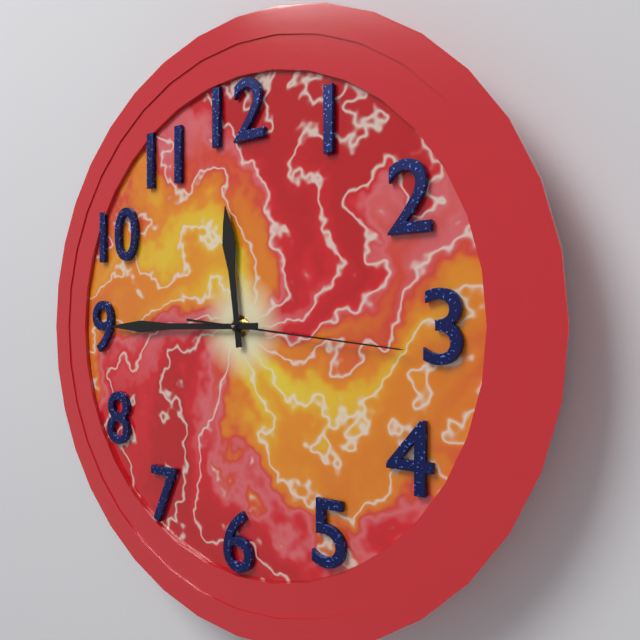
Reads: 11.45.16
